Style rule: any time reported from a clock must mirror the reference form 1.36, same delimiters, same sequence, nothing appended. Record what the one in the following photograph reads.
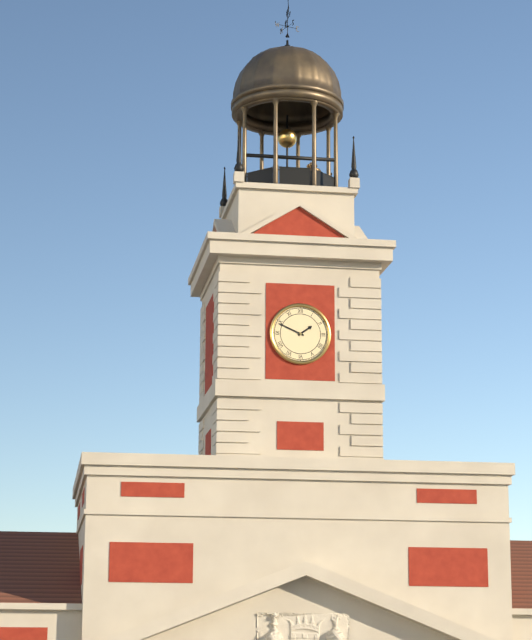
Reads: 1.49
